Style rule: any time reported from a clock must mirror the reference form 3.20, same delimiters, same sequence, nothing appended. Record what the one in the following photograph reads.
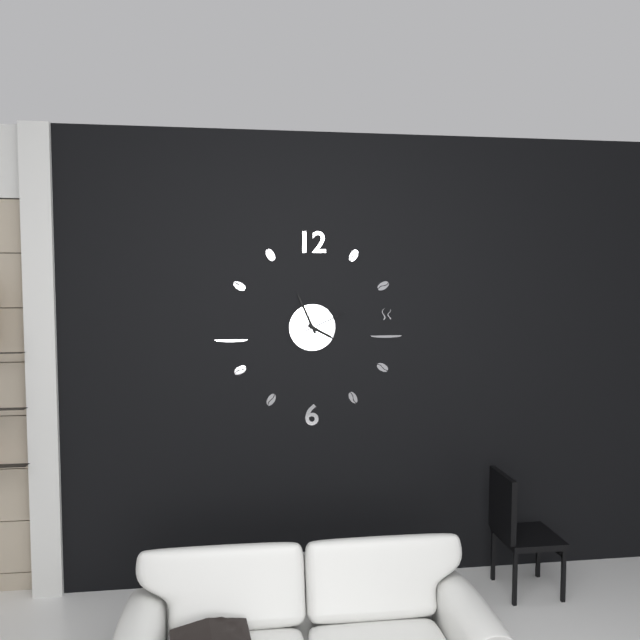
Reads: 3.56
